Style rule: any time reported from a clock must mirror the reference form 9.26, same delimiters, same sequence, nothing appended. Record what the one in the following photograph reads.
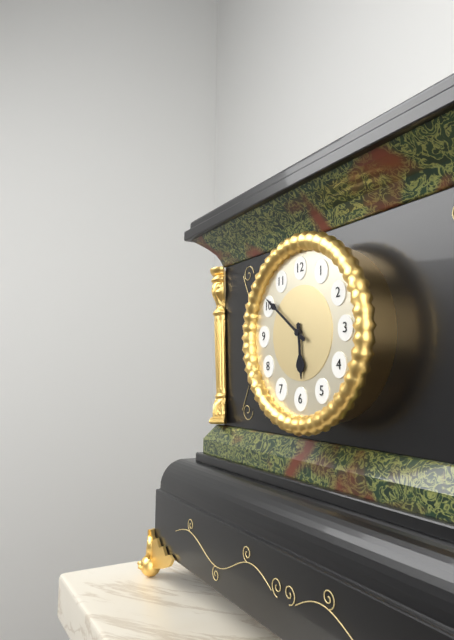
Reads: 5.51
